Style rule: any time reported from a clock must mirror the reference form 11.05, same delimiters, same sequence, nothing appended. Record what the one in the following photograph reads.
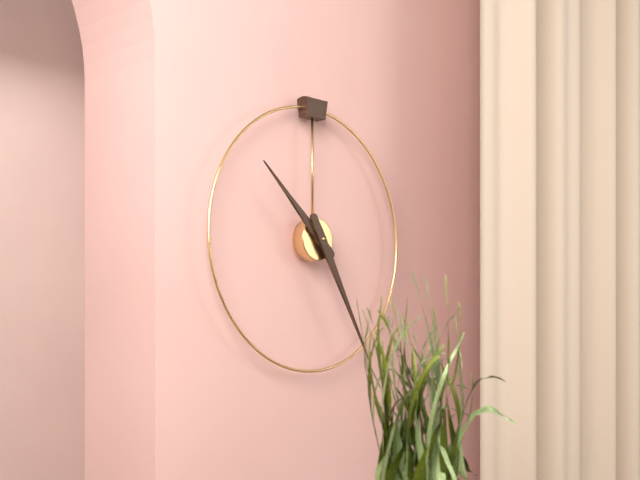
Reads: 10.25
